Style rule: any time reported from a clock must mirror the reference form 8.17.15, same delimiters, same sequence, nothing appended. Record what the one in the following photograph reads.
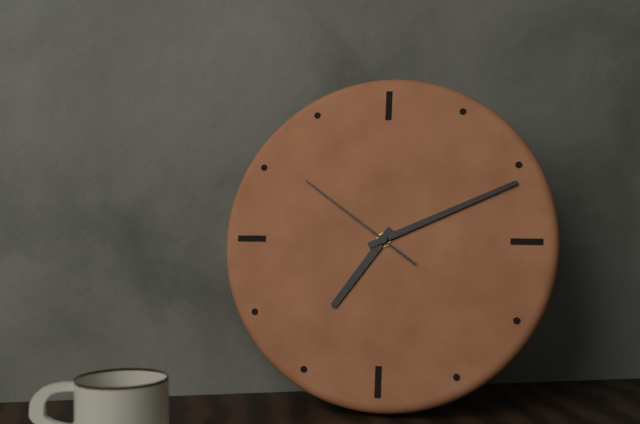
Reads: 7.11.51
